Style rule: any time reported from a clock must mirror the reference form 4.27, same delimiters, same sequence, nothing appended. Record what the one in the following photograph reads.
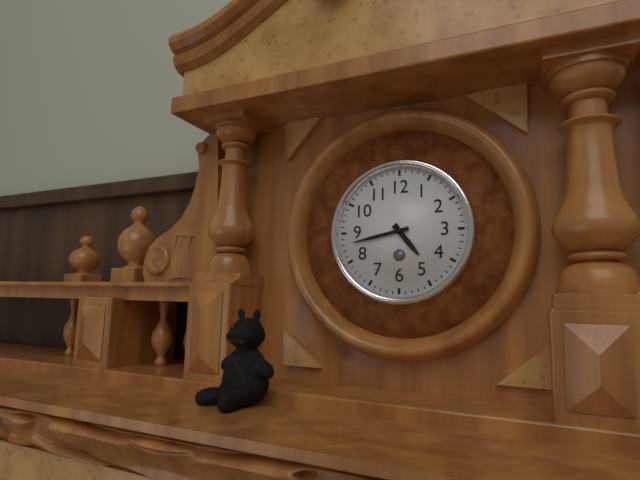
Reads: 4.43
